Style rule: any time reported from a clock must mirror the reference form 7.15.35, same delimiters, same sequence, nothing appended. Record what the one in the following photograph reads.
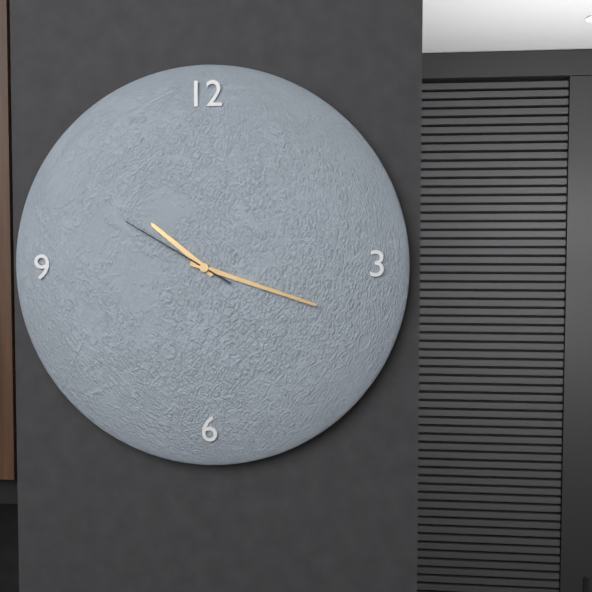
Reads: 10.18.50
